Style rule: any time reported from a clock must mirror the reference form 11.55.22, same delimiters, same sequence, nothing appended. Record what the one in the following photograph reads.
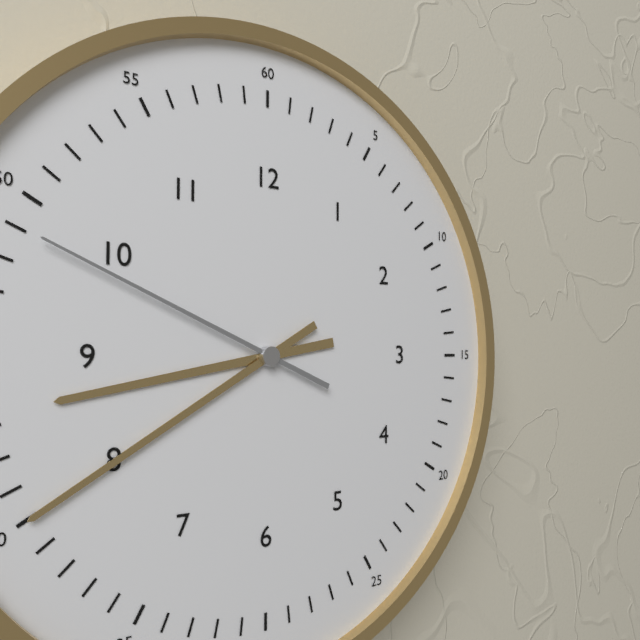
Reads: 8.40.49
